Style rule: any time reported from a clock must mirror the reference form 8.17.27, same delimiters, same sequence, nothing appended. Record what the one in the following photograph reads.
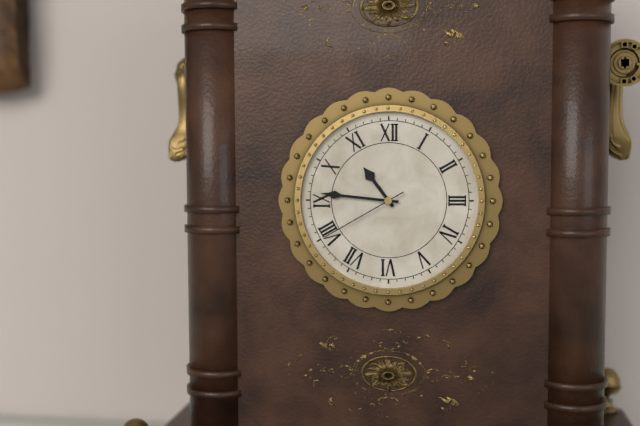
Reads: 10.46.40
